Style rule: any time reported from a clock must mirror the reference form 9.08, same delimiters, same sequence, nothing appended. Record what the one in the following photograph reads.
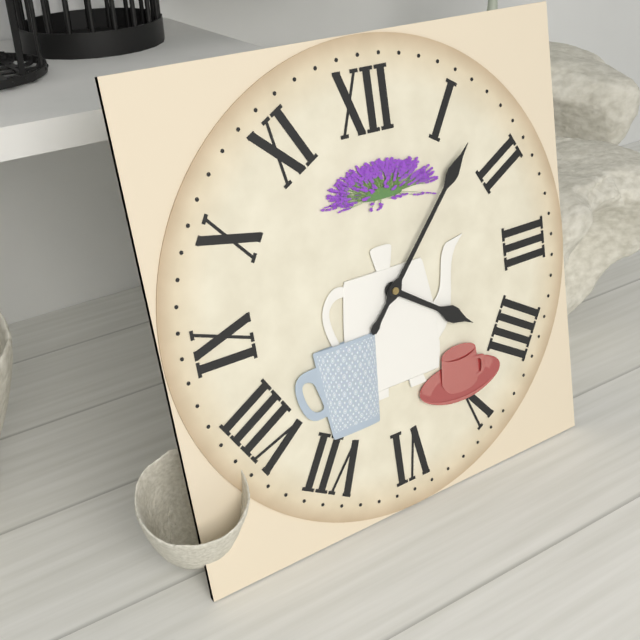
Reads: 4.07
